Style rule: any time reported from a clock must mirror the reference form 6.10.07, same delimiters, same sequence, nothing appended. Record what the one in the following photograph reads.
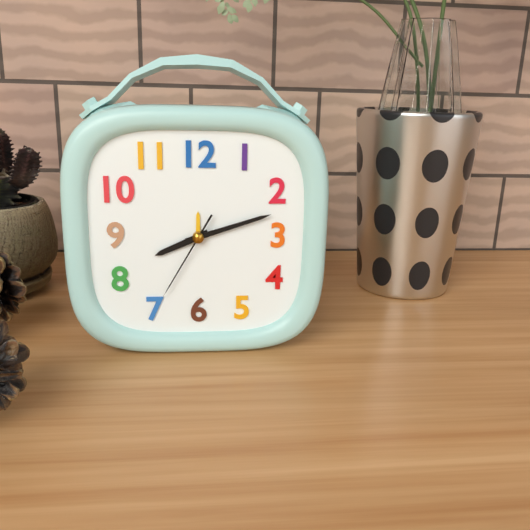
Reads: 8.12.35
